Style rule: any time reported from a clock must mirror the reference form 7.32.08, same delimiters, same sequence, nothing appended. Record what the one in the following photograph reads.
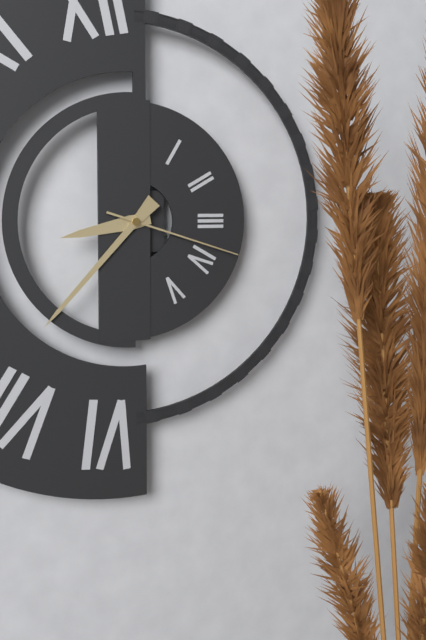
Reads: 8.37.18
